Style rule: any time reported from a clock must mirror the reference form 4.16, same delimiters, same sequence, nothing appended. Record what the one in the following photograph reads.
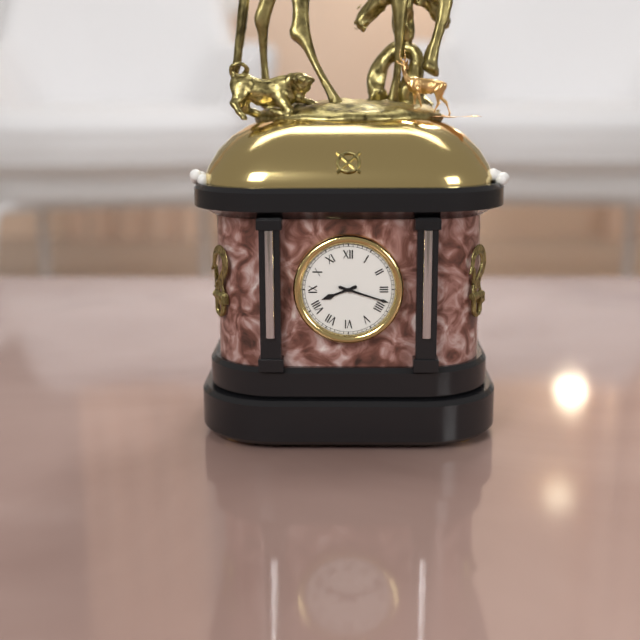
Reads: 8.18
